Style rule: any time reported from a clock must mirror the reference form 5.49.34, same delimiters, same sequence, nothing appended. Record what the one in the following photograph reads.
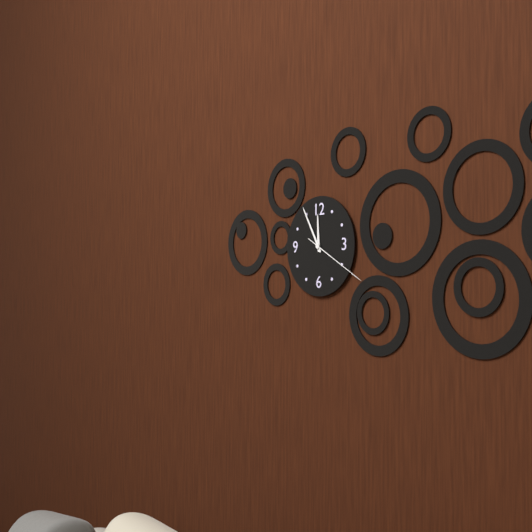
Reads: 11.55.20
